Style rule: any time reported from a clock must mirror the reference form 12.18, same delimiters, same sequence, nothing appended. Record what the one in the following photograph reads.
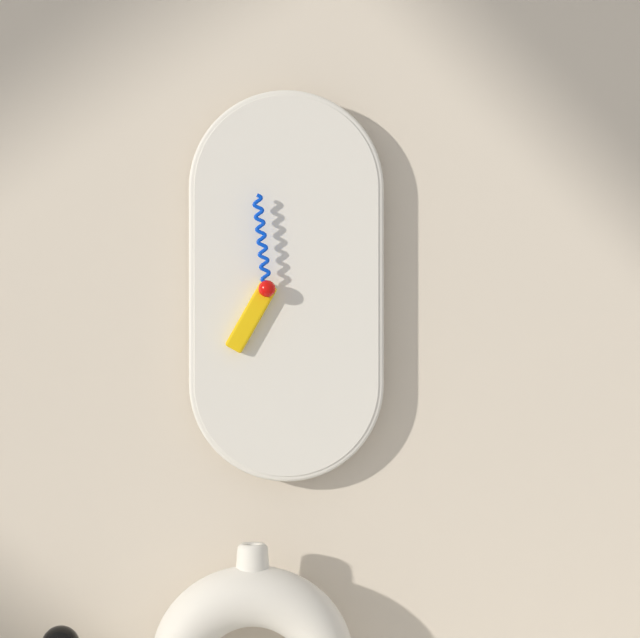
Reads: 6.59
